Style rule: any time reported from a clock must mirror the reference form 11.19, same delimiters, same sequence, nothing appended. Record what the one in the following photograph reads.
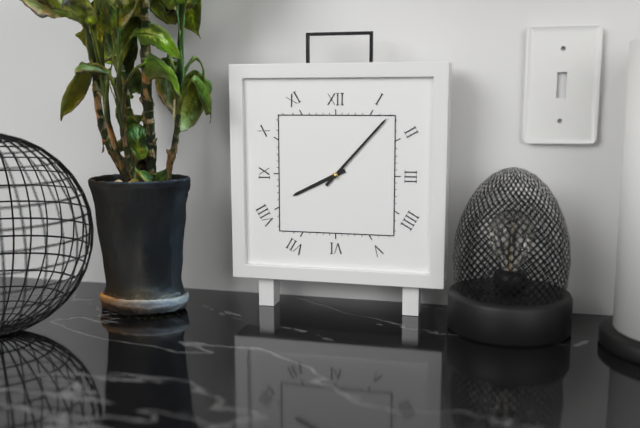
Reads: 8.07
